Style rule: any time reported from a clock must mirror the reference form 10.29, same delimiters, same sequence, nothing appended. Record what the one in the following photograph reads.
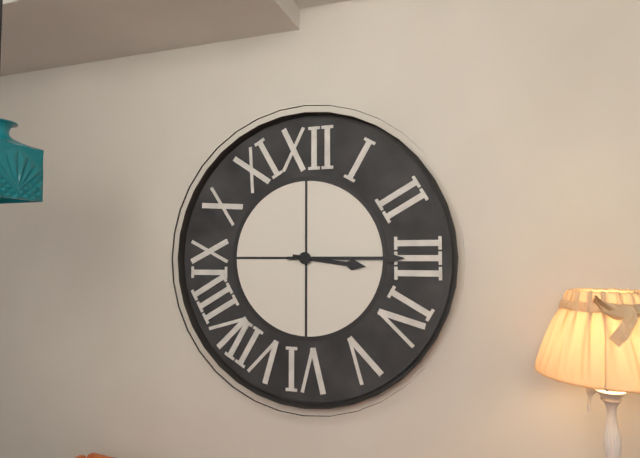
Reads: 3.15
